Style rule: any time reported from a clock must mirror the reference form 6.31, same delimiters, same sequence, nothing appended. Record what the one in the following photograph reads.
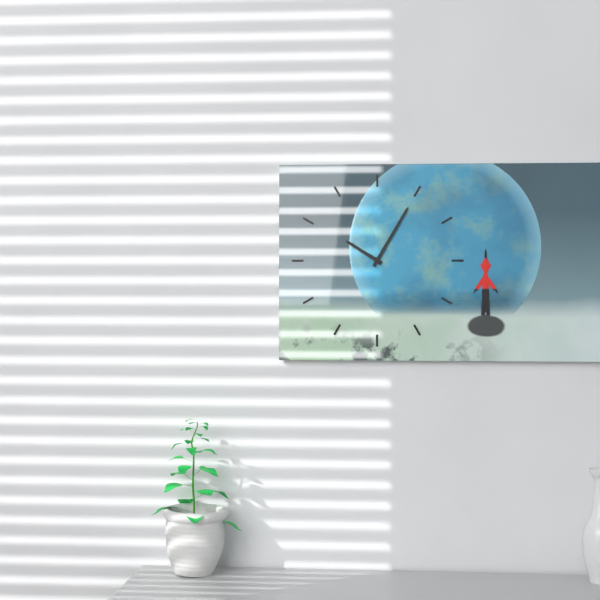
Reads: 10.05
